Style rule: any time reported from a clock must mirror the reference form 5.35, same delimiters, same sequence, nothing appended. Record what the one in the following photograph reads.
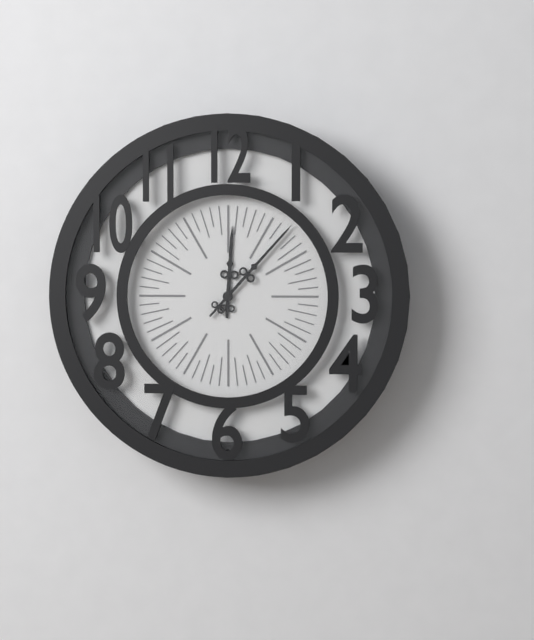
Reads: 12.07
